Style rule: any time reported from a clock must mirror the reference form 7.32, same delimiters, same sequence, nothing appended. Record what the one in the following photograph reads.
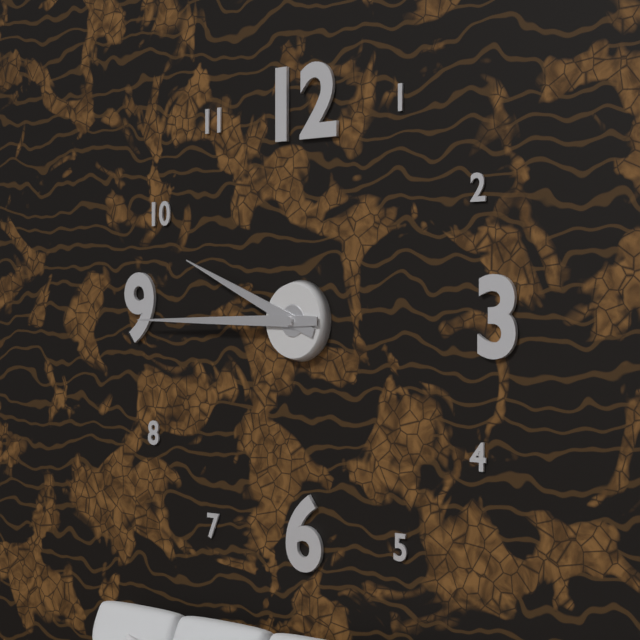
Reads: 9.45
